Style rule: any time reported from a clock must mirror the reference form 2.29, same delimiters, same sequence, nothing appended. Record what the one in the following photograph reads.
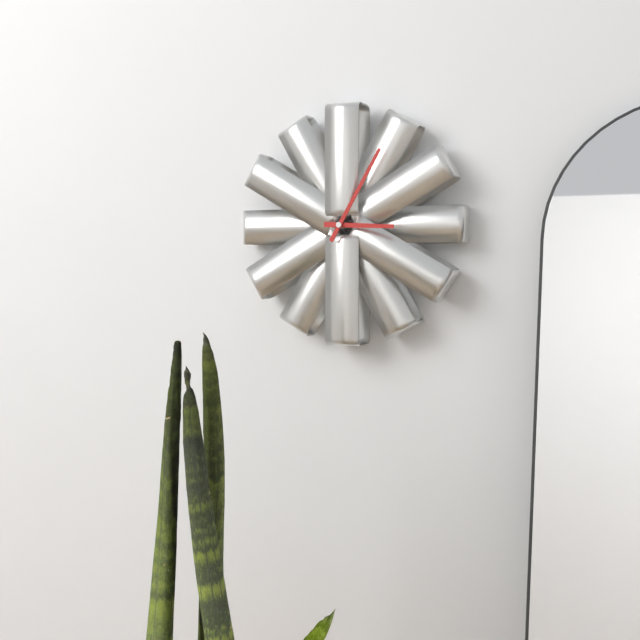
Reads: 3.05
